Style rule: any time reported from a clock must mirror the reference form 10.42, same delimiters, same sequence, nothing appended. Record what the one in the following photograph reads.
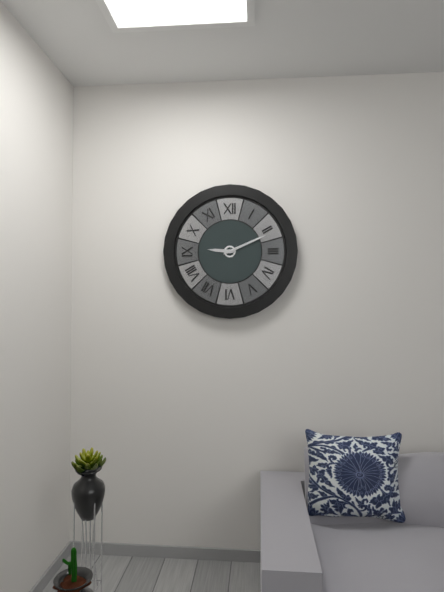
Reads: 9.11
